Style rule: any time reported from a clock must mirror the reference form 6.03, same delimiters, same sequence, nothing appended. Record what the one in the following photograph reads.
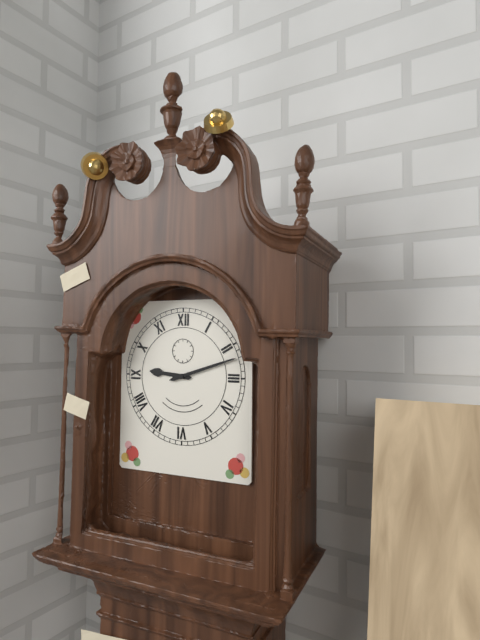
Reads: 9.12
